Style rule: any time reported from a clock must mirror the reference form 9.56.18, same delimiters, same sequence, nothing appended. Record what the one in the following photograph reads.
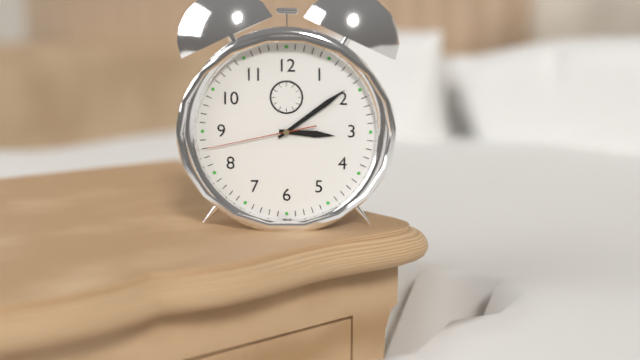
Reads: 3.09.43
